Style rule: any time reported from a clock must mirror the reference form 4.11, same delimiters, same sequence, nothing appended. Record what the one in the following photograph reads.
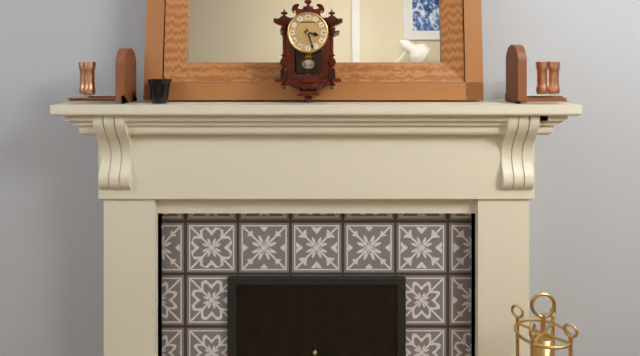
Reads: 3.27
